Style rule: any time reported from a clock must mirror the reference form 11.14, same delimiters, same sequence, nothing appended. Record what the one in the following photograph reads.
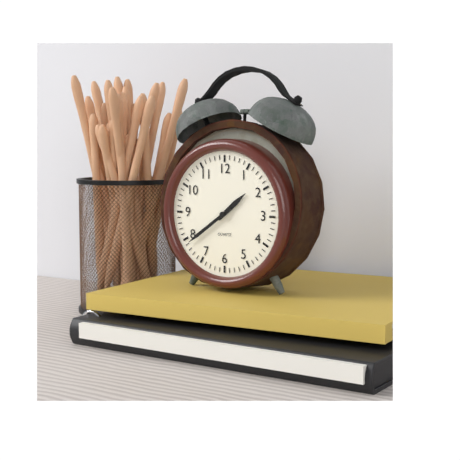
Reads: 1.39
